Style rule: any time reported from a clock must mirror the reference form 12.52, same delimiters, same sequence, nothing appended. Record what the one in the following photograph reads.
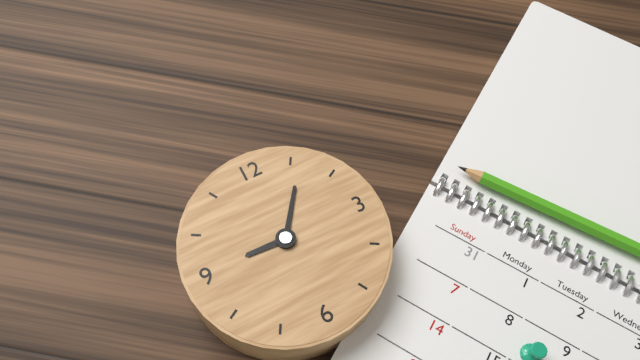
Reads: 9.06
